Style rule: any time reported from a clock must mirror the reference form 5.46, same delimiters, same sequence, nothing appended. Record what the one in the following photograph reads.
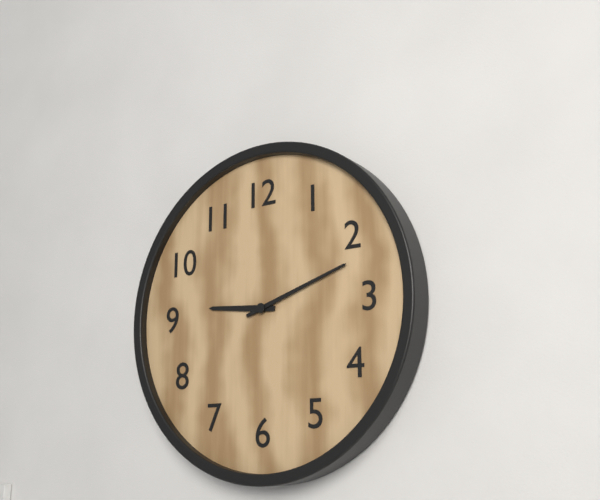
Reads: 9.12
